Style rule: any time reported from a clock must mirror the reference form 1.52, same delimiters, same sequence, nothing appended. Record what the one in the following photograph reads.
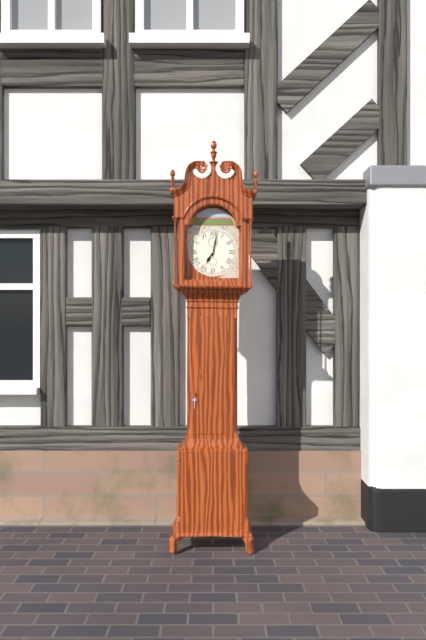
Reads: 7.02
